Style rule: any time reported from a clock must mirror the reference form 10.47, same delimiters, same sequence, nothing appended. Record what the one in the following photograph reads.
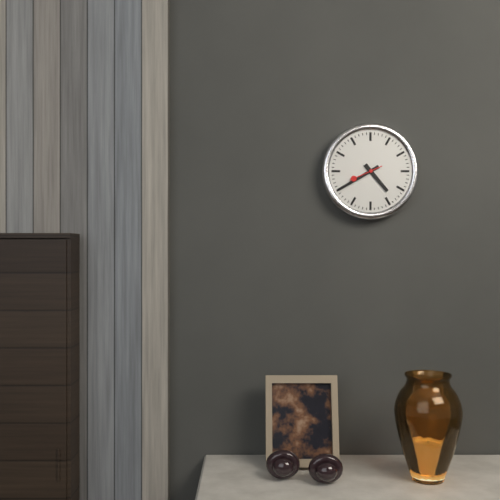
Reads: 4.40
